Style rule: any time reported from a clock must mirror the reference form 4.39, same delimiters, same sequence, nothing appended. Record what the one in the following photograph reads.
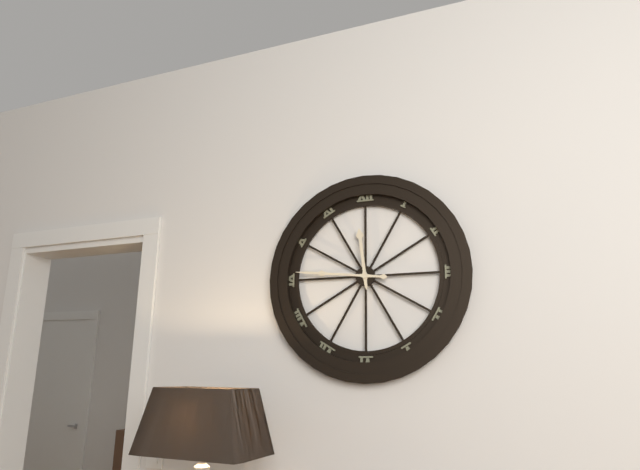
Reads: 11.46
